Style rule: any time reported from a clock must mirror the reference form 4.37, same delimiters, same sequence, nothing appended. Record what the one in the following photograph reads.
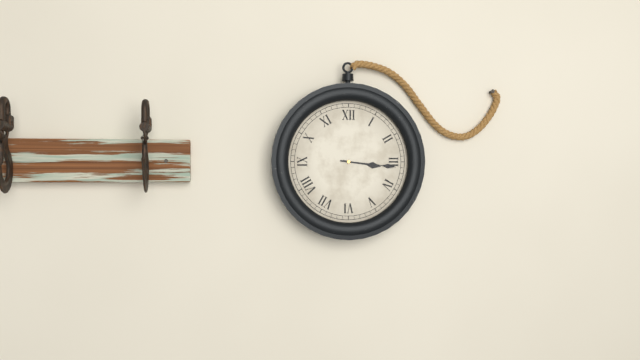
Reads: 3.16
